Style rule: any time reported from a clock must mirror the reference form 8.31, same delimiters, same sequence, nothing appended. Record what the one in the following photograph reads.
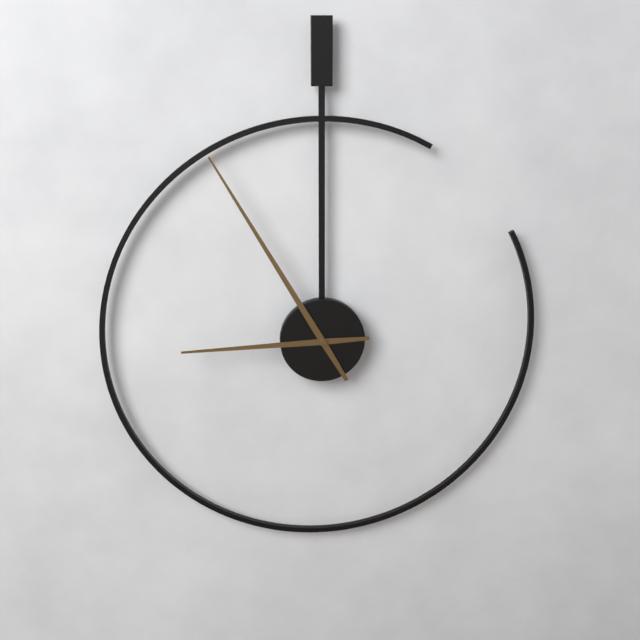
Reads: 8.55
